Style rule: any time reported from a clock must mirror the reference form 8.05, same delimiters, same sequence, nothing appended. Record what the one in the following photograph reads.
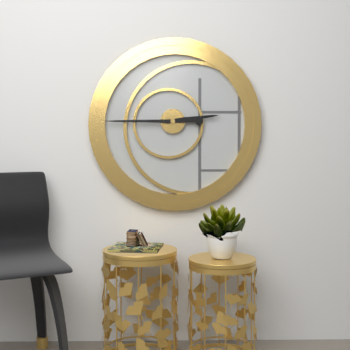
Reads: 2.45
